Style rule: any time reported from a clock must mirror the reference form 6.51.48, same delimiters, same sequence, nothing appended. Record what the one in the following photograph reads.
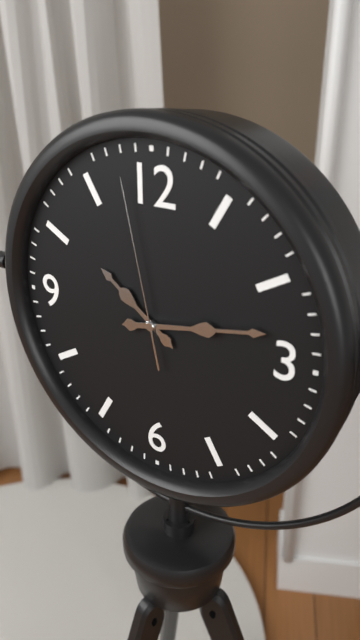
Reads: 10.13.58
